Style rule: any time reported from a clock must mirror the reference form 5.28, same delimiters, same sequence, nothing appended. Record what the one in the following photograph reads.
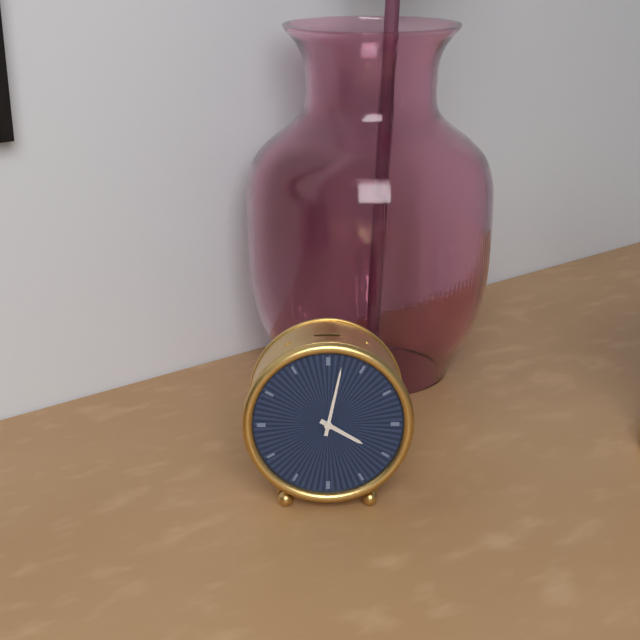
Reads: 4.02
